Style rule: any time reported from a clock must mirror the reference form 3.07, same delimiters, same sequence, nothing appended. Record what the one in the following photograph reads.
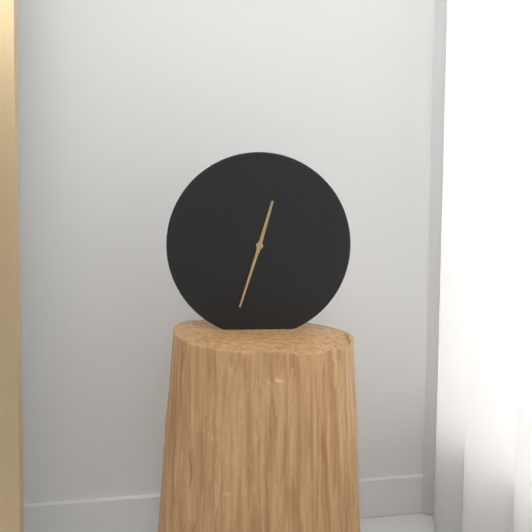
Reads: 12.33
